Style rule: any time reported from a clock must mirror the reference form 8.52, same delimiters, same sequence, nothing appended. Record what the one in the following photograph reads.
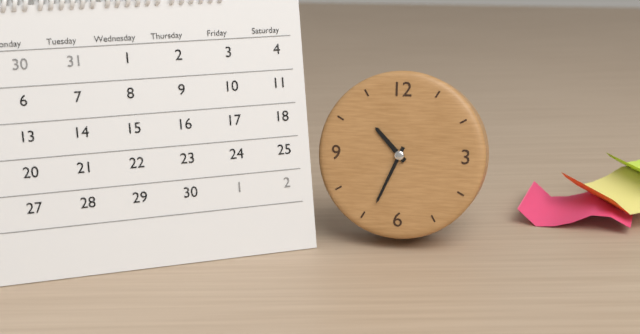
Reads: 10.34
